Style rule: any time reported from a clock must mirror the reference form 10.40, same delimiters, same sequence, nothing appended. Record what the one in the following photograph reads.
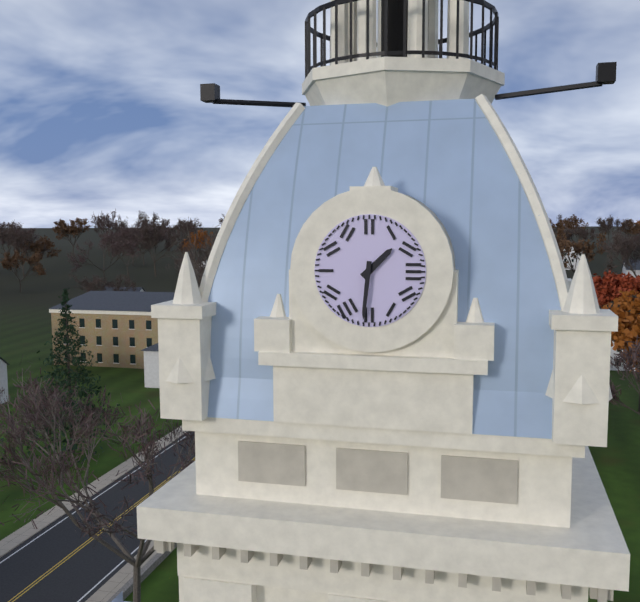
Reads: 1.31
